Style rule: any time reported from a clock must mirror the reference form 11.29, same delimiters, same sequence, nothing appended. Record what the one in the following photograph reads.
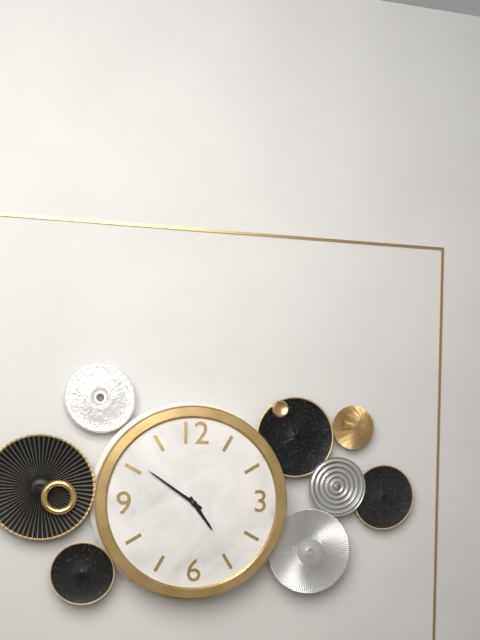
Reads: 4.51
